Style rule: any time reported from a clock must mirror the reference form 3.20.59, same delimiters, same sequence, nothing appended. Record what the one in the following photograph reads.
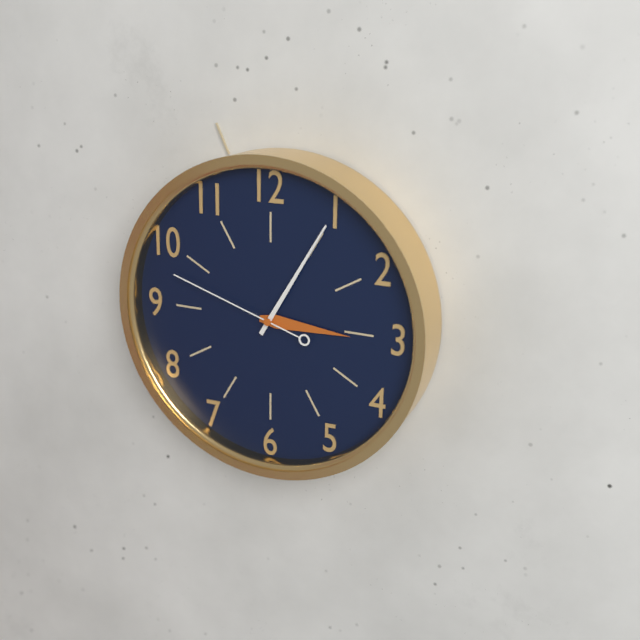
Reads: 3.05.48
